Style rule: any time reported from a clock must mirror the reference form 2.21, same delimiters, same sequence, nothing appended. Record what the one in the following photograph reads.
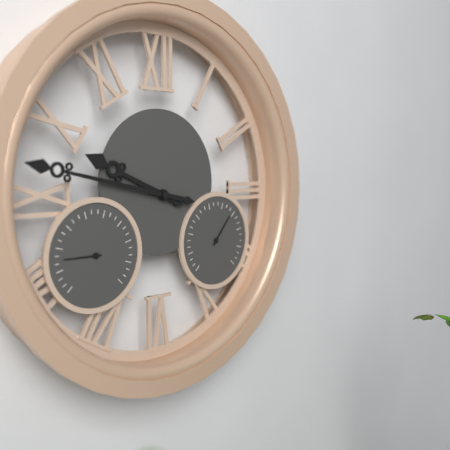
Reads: 9.47
